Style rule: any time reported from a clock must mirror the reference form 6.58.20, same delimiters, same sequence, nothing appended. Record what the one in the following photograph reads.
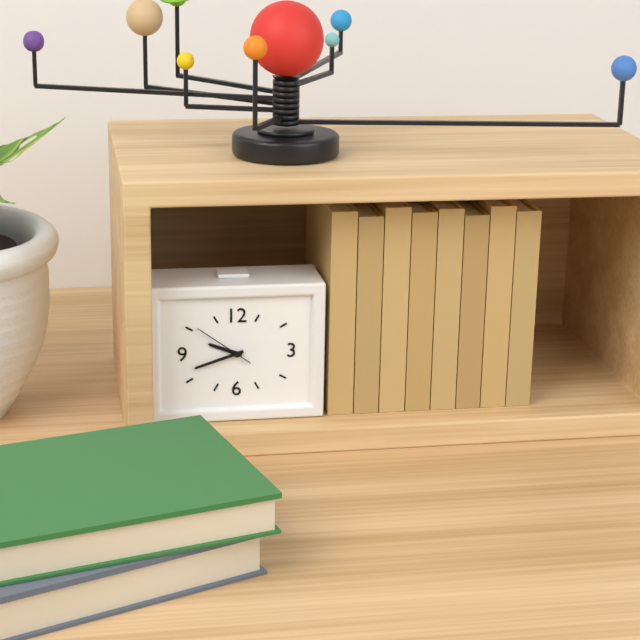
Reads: 9.42.51
